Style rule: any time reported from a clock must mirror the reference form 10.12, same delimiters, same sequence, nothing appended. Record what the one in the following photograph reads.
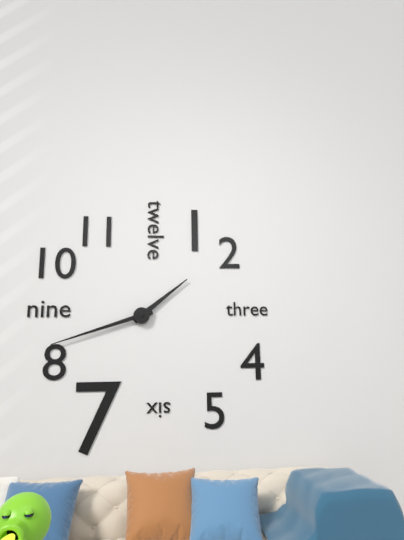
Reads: 1.42
